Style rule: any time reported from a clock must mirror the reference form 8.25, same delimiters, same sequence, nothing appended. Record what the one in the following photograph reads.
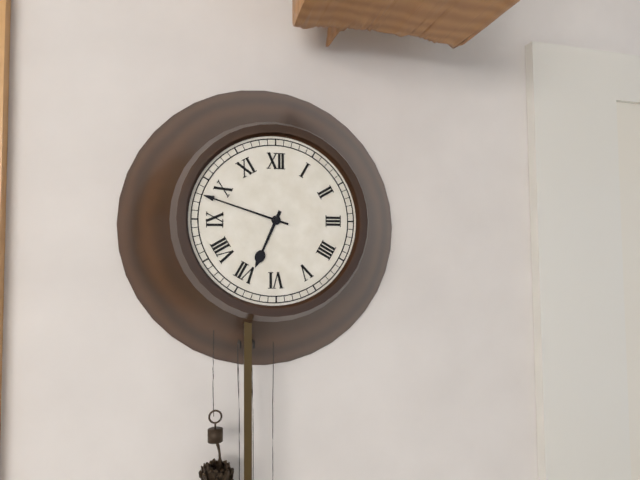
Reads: 6.48
